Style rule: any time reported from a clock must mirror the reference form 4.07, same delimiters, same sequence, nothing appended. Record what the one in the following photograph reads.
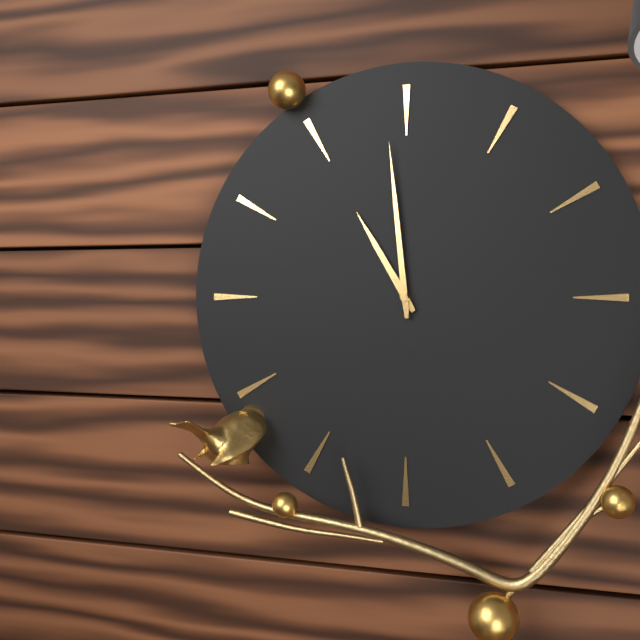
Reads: 10.59
